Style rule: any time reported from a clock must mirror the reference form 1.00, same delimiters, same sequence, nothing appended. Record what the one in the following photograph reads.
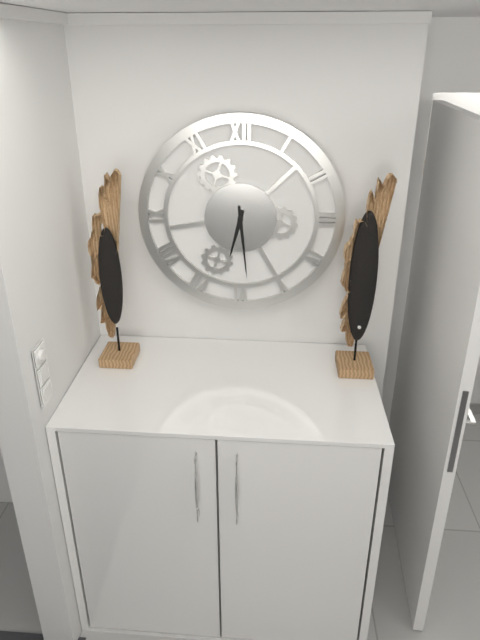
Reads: 6.29
